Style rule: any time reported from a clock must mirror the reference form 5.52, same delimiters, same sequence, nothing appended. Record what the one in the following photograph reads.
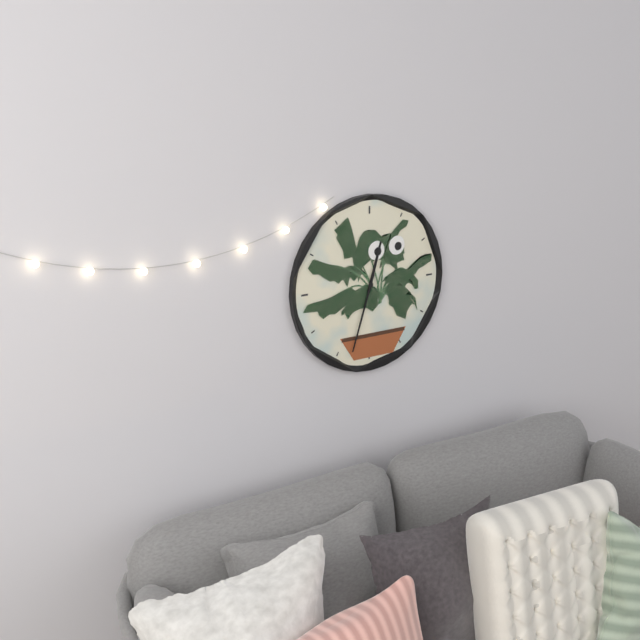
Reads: 12.33
